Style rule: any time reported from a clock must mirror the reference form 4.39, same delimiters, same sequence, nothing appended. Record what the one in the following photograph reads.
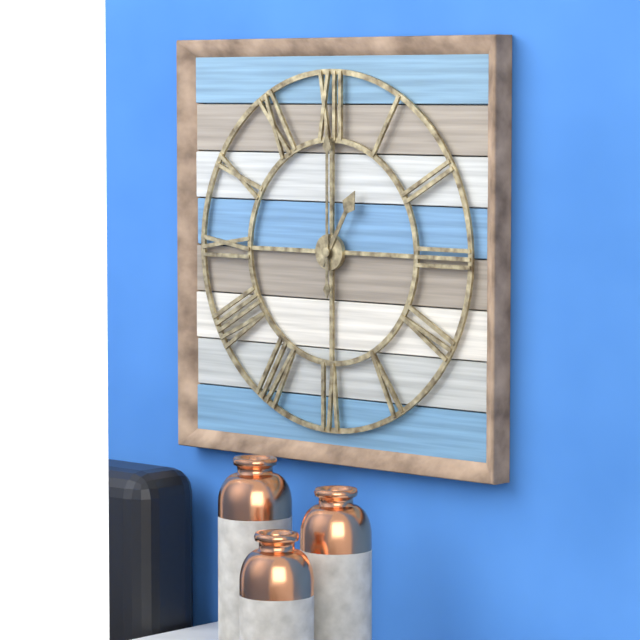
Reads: 1.00
